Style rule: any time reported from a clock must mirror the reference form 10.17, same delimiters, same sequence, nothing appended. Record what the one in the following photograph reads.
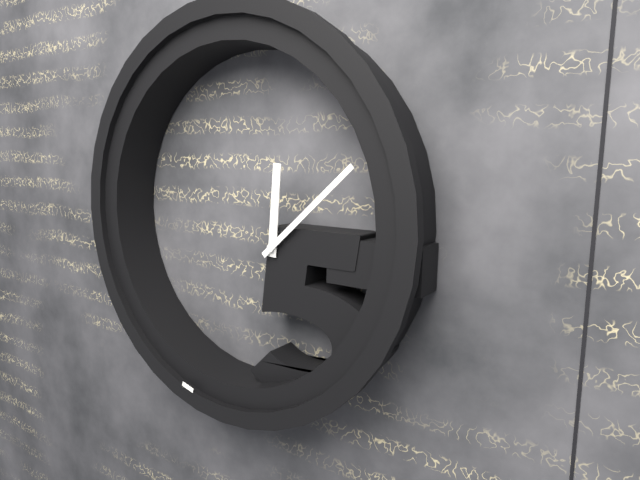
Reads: 12.08
